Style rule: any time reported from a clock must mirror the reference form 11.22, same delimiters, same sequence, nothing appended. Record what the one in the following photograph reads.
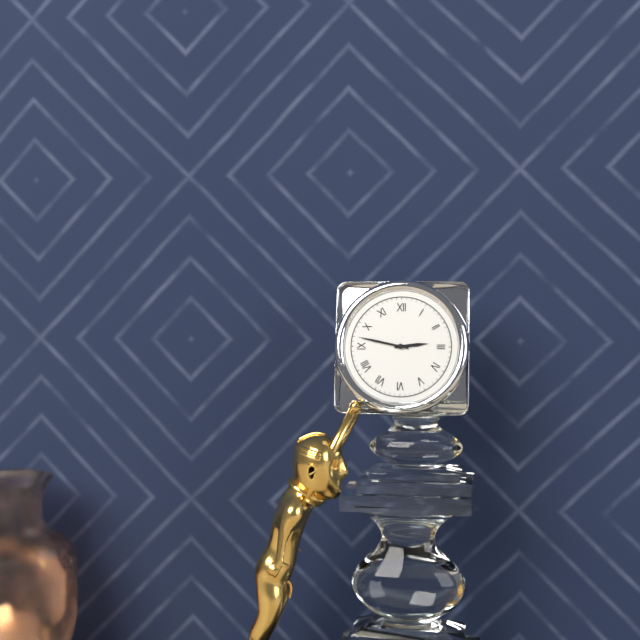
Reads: 2.47
